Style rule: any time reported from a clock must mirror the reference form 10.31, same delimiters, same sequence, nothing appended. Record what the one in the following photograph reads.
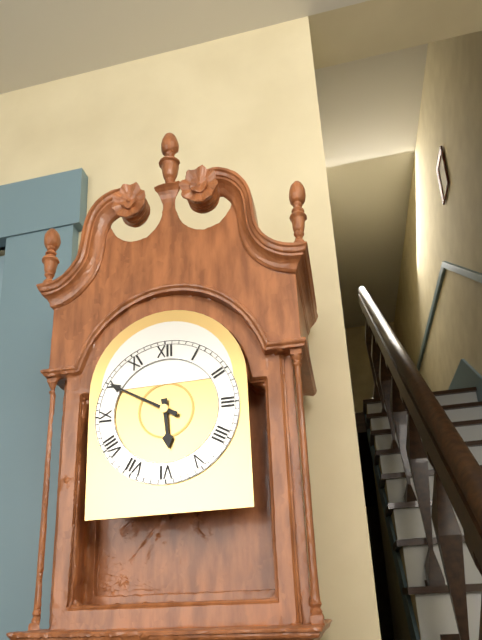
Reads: 5.50
